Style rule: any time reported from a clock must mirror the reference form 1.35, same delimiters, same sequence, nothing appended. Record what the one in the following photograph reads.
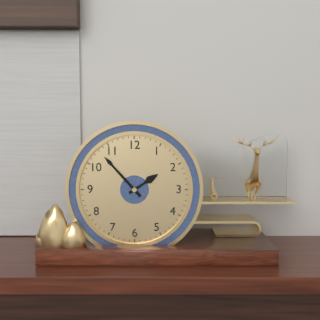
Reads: 1.53
